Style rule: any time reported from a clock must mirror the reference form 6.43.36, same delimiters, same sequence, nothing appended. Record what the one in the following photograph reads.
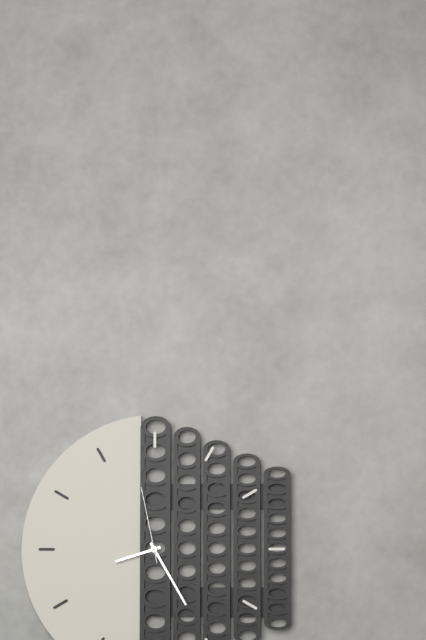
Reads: 8.25.58
